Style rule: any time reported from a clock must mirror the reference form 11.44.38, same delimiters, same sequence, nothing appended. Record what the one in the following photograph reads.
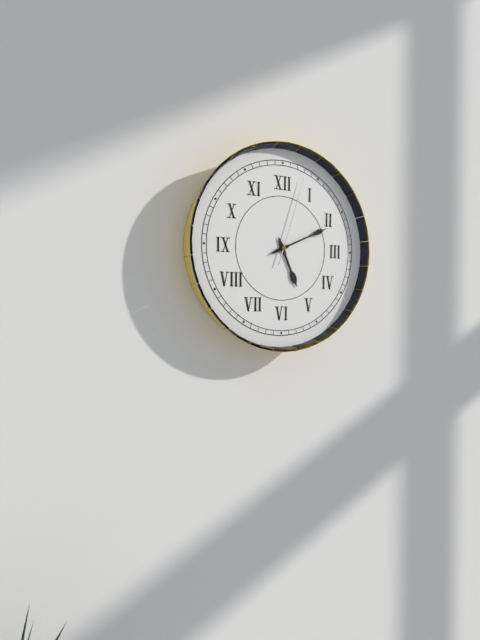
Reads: 5.11.03
